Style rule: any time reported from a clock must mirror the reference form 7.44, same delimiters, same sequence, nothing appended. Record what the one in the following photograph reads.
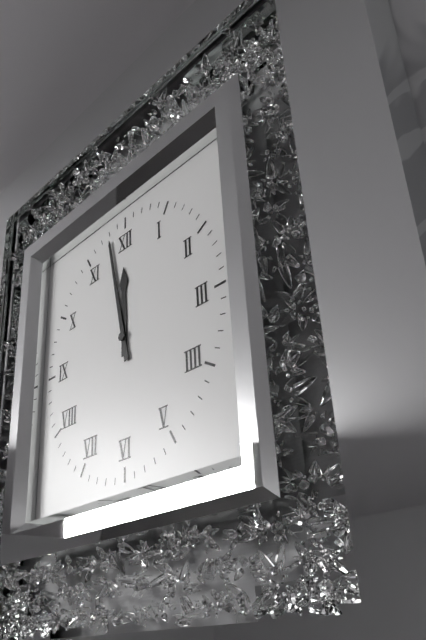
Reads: 11.58
